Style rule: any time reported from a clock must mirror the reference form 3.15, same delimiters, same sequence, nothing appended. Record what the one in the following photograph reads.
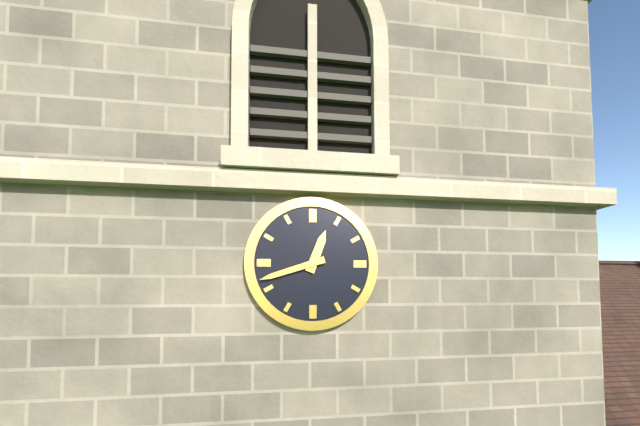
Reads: 12.42
